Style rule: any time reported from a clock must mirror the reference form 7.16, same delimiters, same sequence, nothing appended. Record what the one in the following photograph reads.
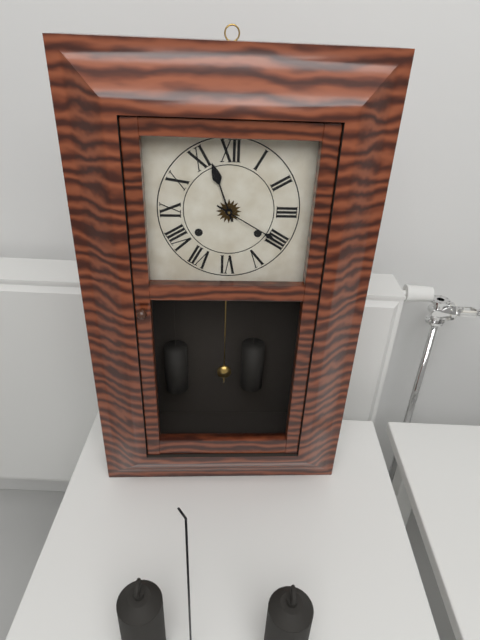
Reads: 11.20
